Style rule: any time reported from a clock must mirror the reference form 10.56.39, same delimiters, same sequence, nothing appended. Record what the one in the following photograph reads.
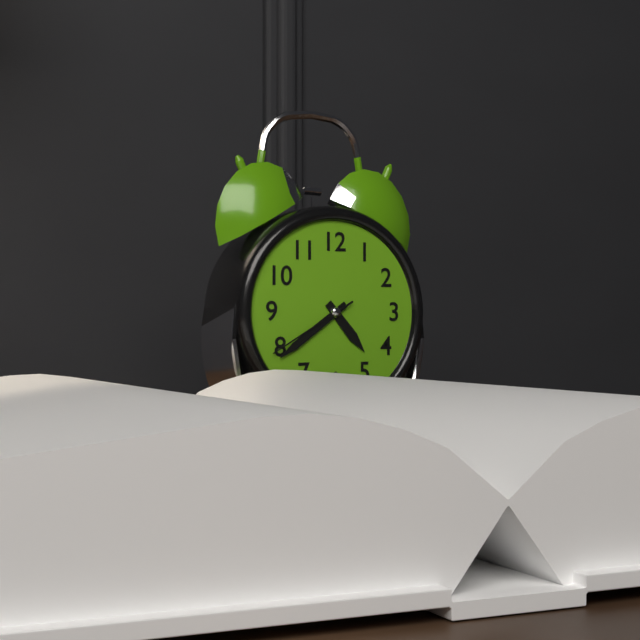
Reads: 4.39.40
